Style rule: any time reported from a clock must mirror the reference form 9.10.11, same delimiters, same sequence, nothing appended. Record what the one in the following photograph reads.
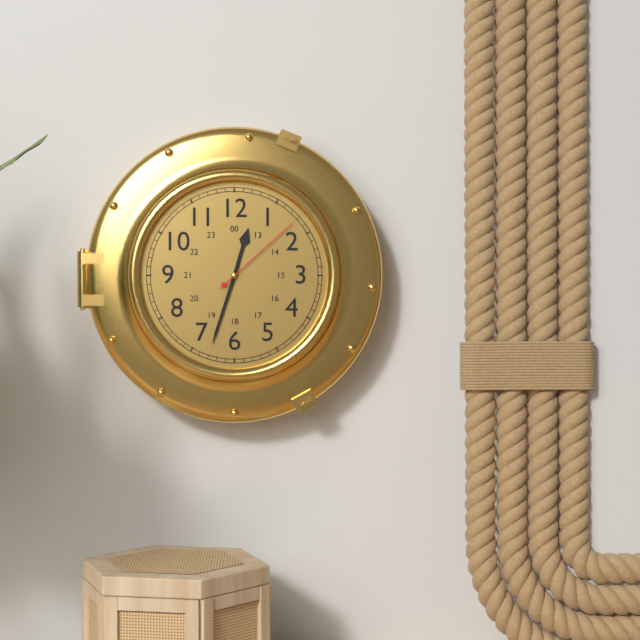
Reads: 12.33.08
